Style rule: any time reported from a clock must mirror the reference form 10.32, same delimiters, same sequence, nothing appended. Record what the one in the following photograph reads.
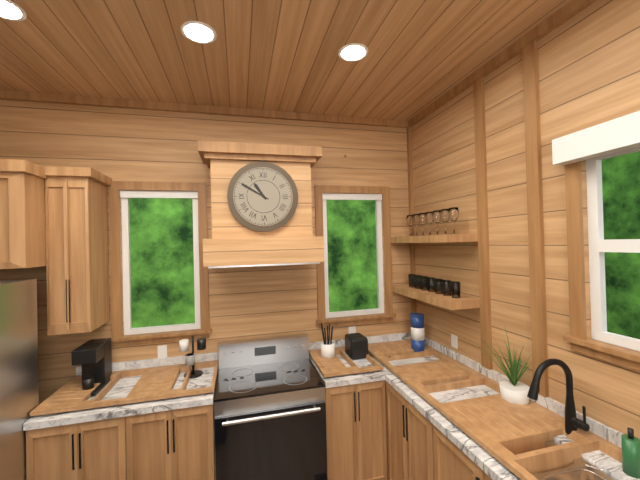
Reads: 10.50
